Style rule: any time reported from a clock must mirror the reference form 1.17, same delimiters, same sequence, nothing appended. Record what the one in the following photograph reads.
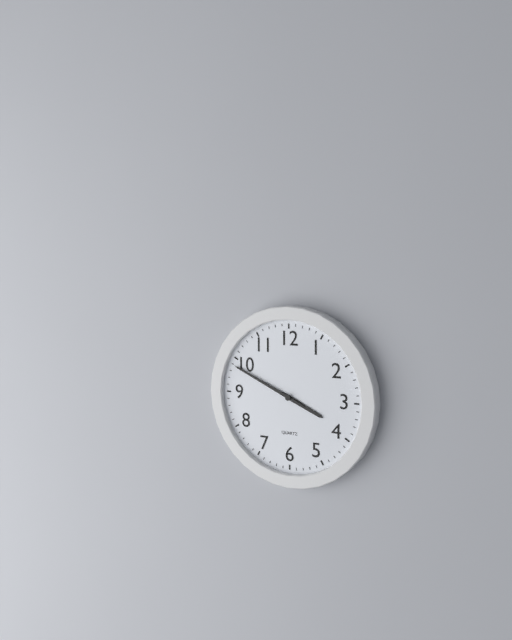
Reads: 3.49
